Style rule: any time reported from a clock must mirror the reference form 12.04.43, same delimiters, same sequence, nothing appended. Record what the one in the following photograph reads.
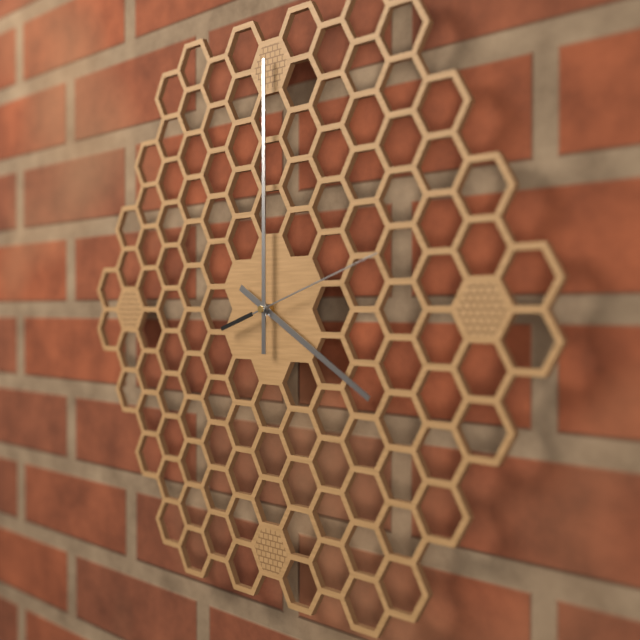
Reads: 4.00.12
